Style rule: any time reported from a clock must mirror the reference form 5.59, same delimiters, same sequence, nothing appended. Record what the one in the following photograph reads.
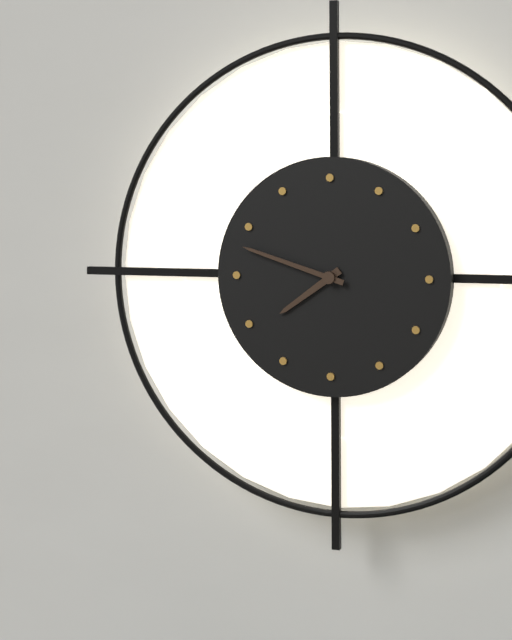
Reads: 7.48
